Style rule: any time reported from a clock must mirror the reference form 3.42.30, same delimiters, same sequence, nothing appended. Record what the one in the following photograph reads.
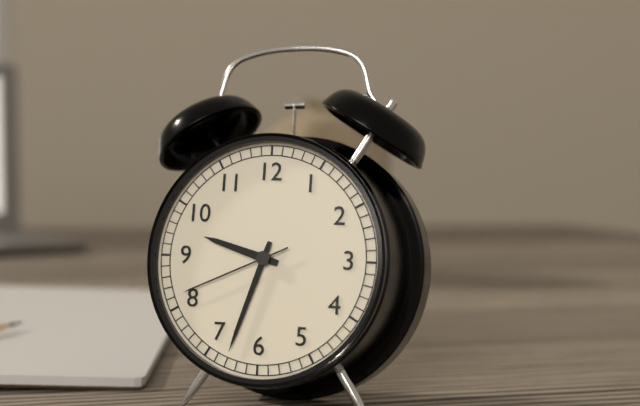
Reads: 9.33.41
